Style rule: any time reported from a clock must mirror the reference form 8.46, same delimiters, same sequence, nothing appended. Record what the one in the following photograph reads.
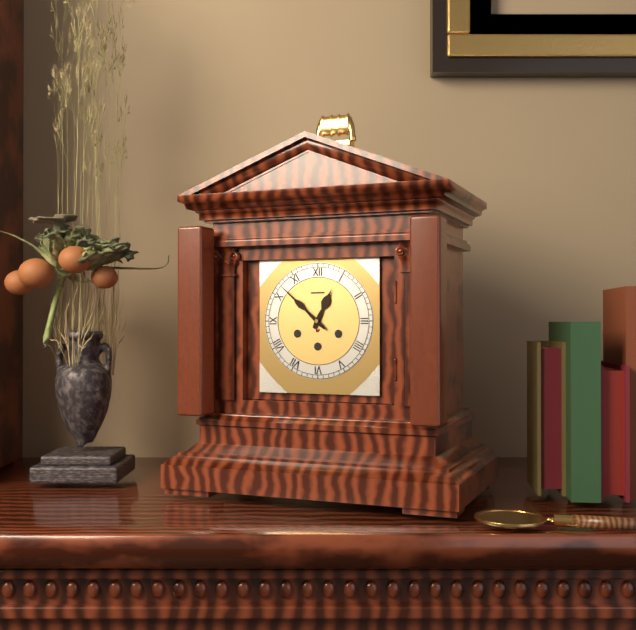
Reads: 12.52
